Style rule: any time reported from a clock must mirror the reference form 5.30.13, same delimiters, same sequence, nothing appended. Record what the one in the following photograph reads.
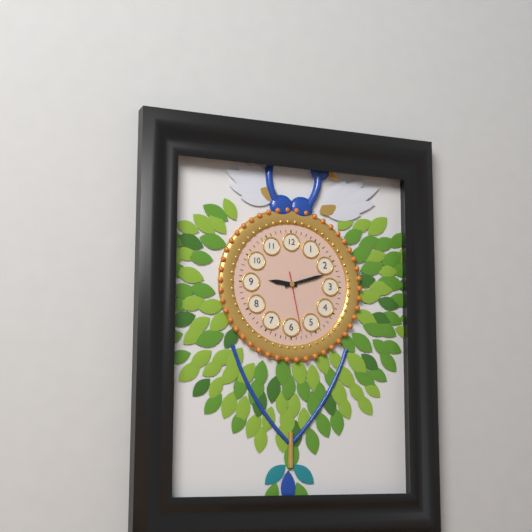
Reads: 9.12.28
